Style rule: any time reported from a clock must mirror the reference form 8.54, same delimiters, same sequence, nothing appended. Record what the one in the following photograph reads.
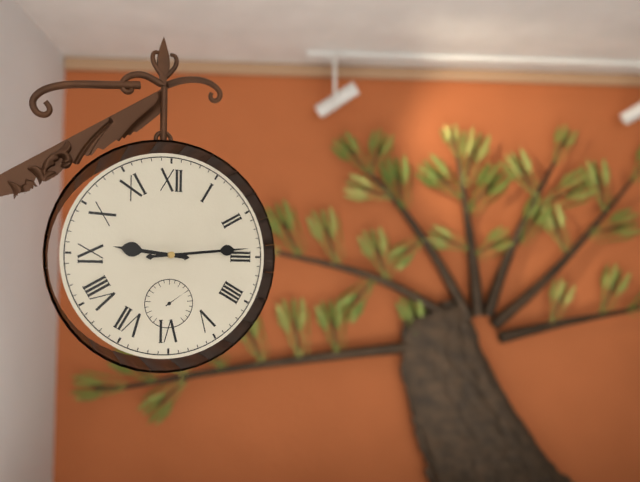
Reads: 9.14
